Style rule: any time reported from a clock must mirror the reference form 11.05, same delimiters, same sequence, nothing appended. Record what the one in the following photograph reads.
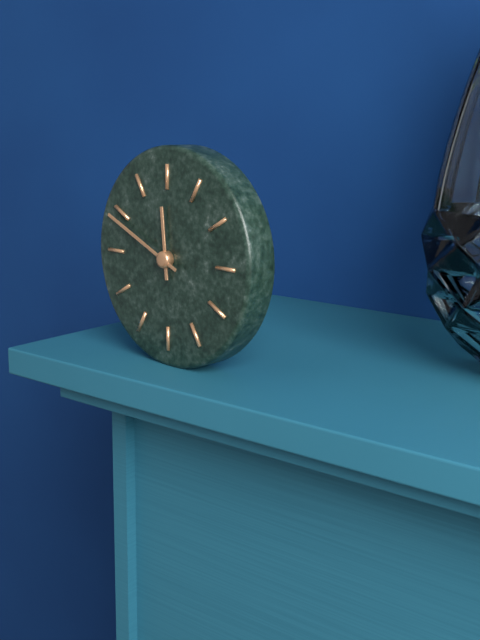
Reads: 11.49
